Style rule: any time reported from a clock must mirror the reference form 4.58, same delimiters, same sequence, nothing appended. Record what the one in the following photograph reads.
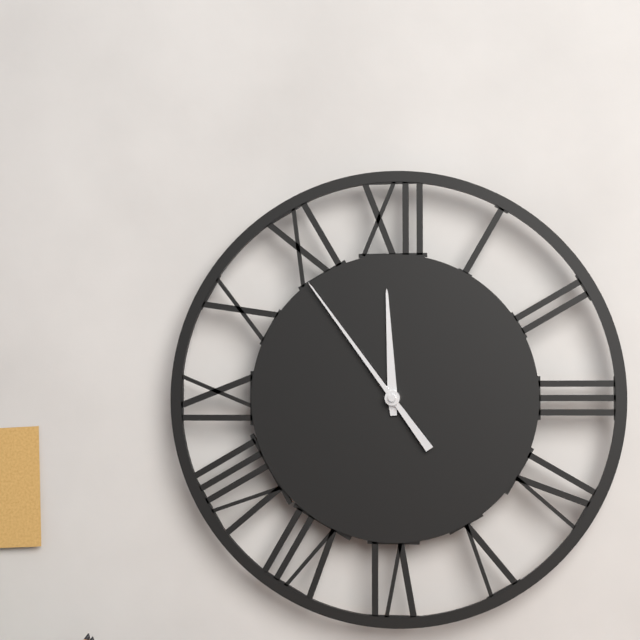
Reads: 11.54
